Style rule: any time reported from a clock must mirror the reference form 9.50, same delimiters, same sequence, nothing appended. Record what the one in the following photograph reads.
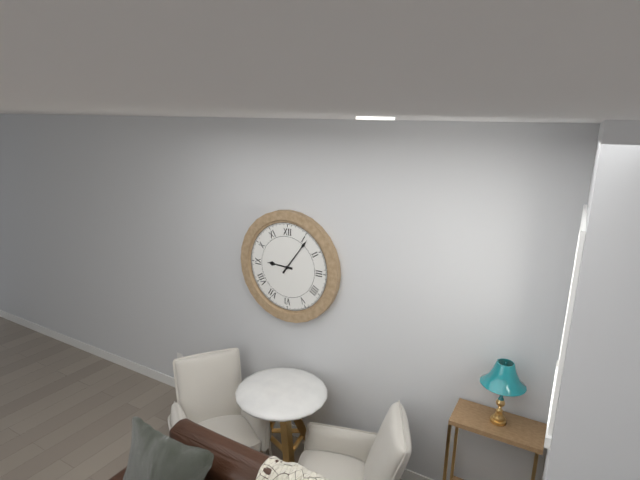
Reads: 9.06
